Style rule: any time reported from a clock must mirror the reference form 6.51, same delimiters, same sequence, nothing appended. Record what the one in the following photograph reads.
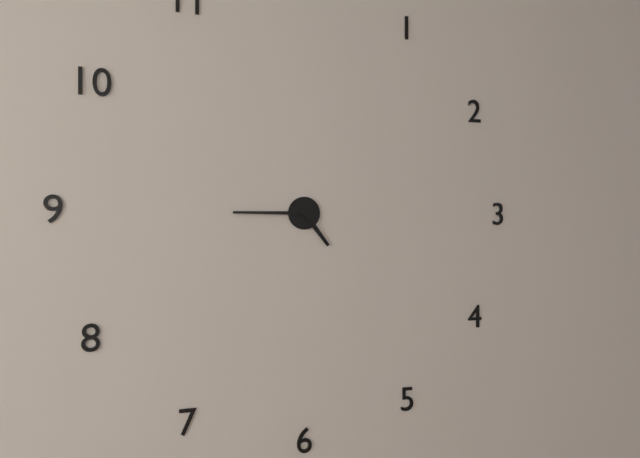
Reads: 4.45
